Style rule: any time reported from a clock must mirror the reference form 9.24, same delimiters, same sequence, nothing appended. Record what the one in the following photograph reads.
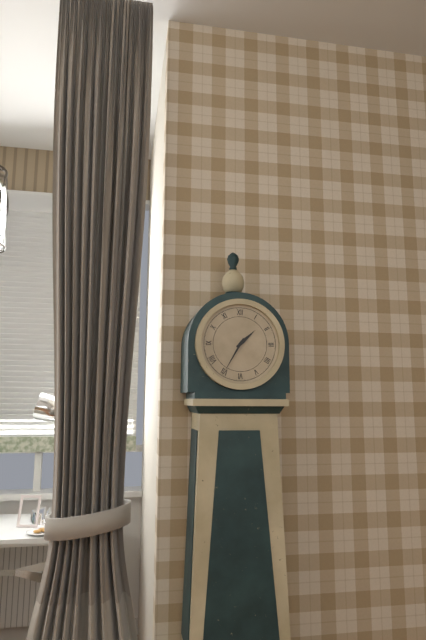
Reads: 1.35
